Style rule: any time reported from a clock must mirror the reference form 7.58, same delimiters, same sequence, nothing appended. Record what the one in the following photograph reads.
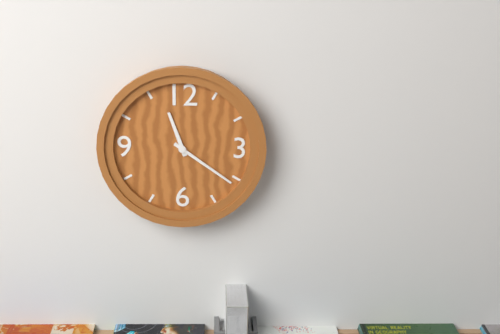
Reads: 11.21
